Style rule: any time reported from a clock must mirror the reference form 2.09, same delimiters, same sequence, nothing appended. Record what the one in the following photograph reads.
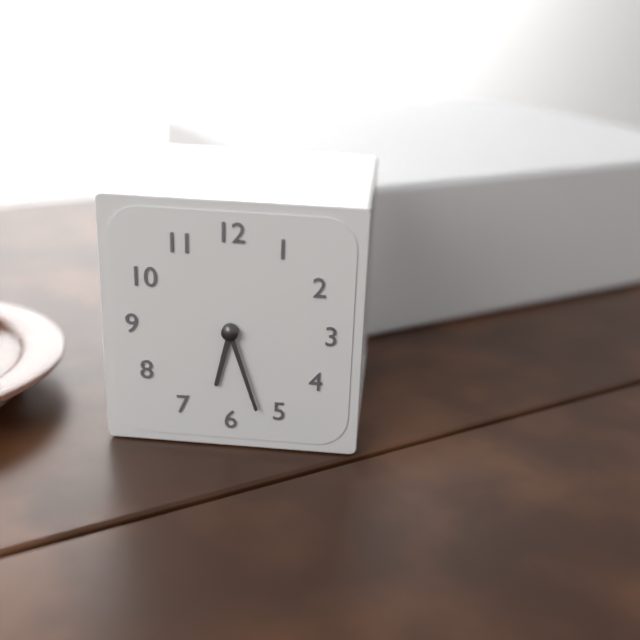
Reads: 6.27
